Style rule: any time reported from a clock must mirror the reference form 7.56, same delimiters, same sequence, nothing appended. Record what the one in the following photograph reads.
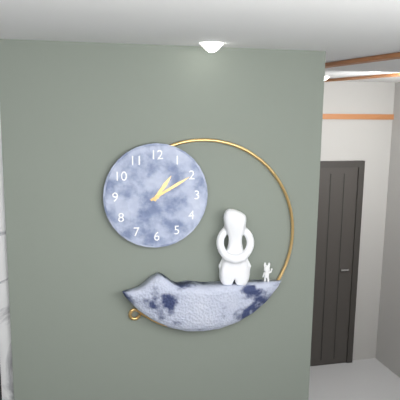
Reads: 1.10
